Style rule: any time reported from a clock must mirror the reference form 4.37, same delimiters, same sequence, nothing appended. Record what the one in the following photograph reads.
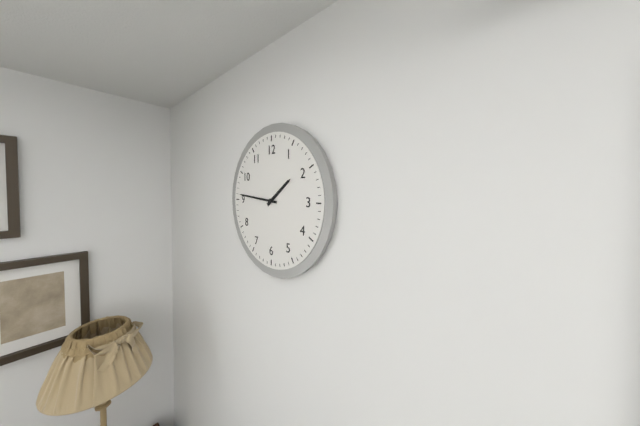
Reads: 1.46
